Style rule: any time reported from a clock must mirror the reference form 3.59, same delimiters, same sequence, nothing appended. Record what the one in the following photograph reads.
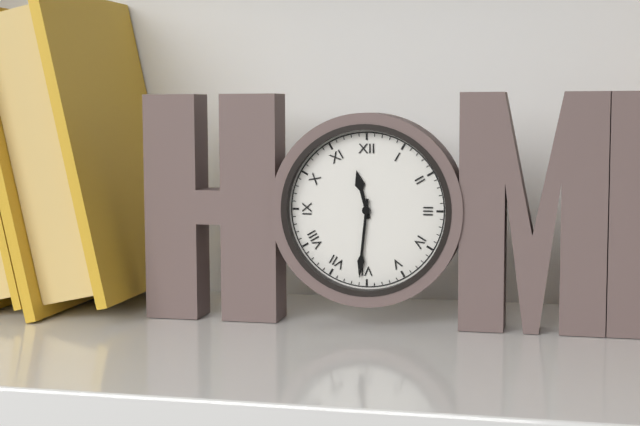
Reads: 11.31
